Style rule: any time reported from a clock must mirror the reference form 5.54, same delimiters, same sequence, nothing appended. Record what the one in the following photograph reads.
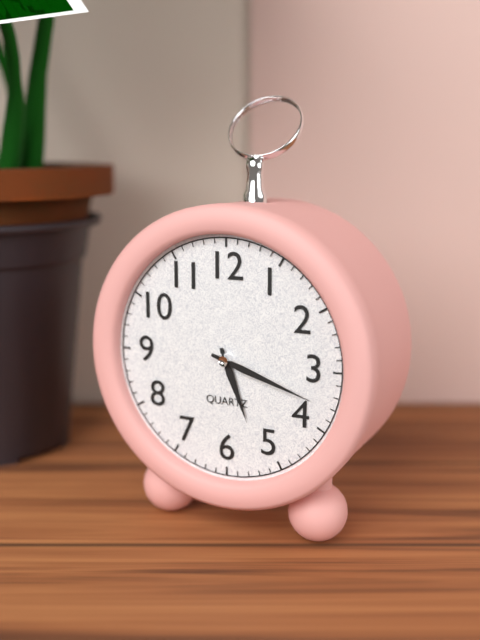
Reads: 5.18
